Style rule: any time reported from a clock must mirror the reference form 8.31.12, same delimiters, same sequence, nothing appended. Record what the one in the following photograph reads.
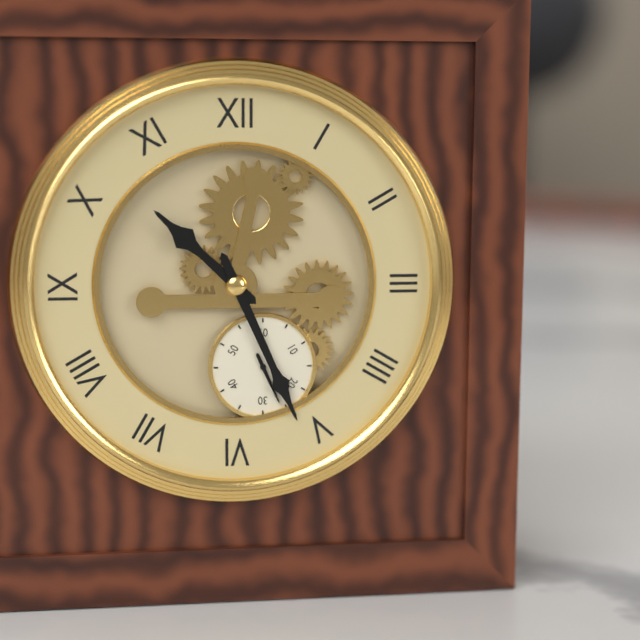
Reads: 10.26.26
